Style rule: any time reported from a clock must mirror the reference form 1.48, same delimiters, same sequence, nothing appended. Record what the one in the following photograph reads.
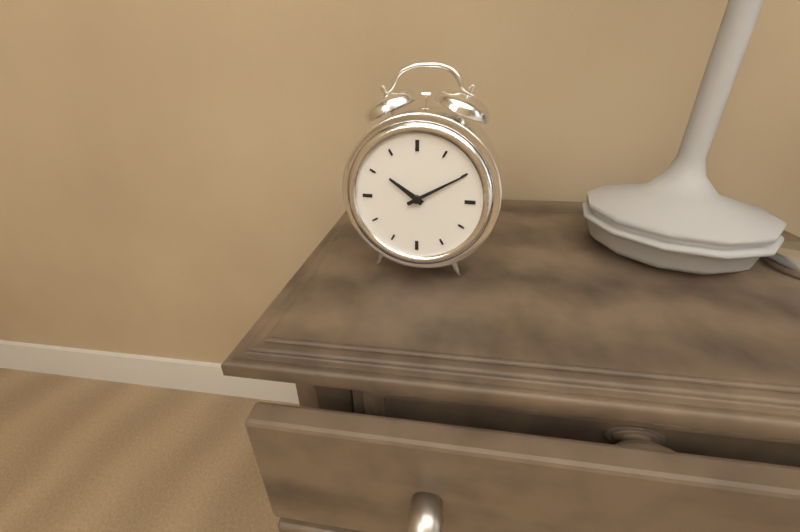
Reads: 10.10
